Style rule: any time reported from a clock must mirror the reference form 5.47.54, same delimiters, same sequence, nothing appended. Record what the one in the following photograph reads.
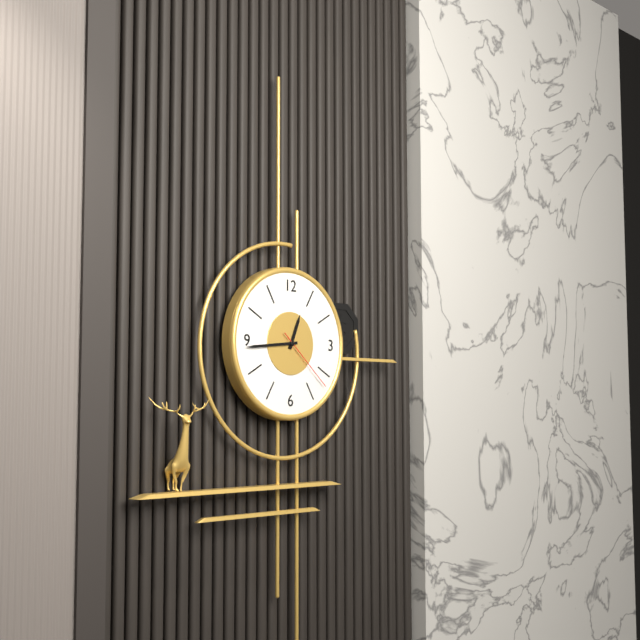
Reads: 12.44.22
